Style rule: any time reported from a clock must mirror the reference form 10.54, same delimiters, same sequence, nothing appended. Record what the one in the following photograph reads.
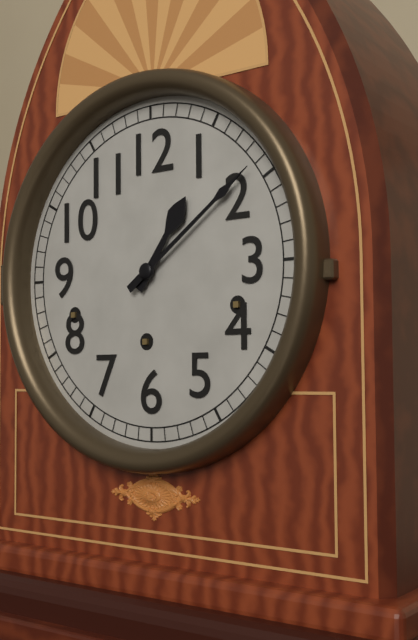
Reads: 1.09
